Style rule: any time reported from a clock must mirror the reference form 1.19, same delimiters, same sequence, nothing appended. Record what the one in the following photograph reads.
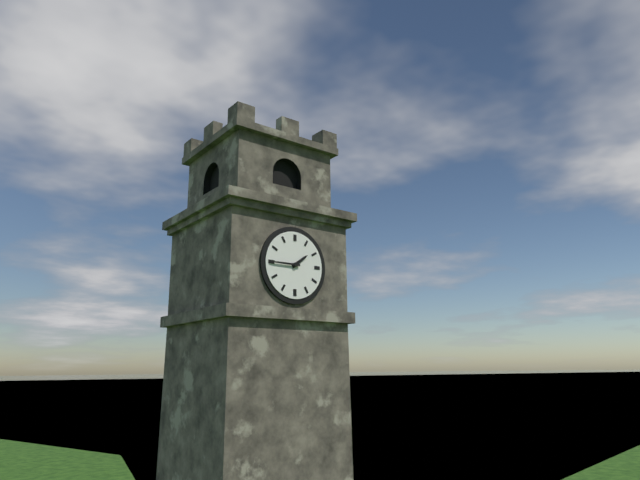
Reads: 1.45
